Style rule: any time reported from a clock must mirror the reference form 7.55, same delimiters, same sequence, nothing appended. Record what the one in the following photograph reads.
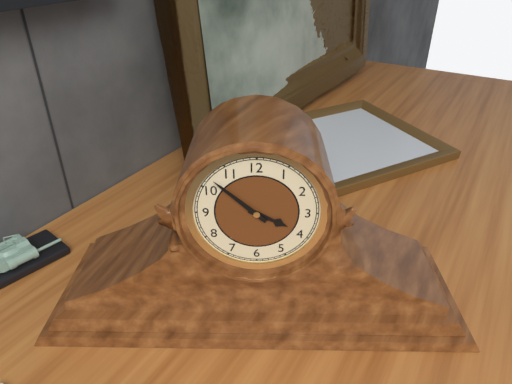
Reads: 3.52
